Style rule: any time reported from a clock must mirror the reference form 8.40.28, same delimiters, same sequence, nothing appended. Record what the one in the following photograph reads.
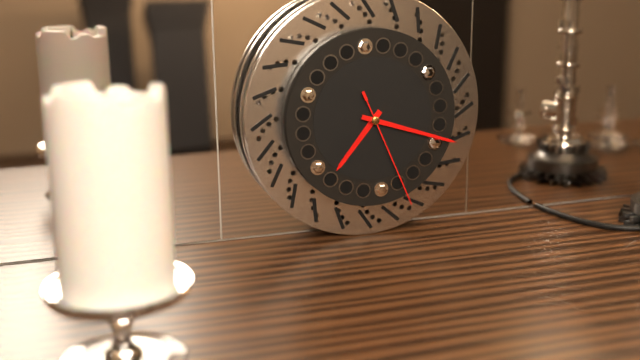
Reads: 7.18.26
